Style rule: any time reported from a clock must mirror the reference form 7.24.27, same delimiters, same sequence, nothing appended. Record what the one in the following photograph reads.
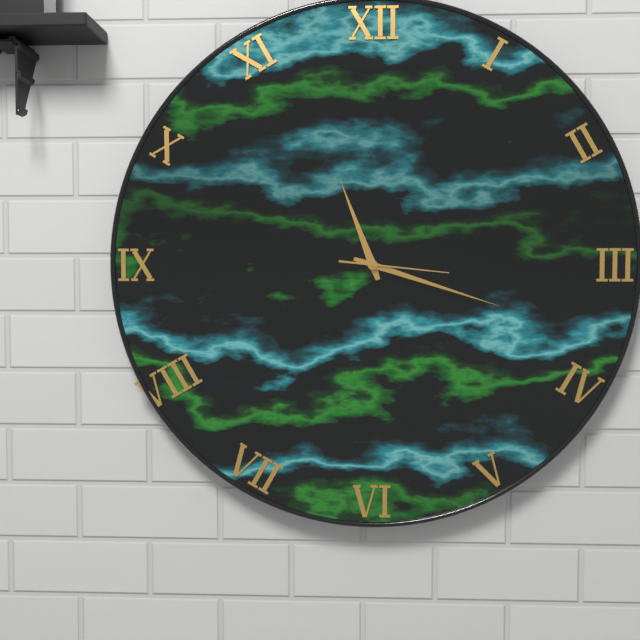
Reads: 11.18.16
